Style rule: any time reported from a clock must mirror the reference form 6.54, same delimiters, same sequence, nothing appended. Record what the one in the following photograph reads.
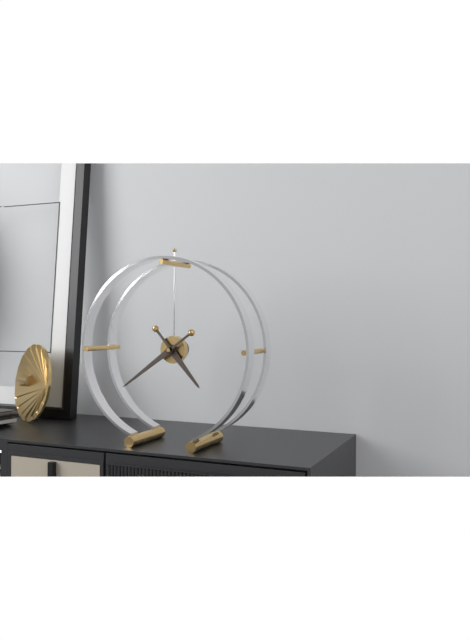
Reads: 4.39
